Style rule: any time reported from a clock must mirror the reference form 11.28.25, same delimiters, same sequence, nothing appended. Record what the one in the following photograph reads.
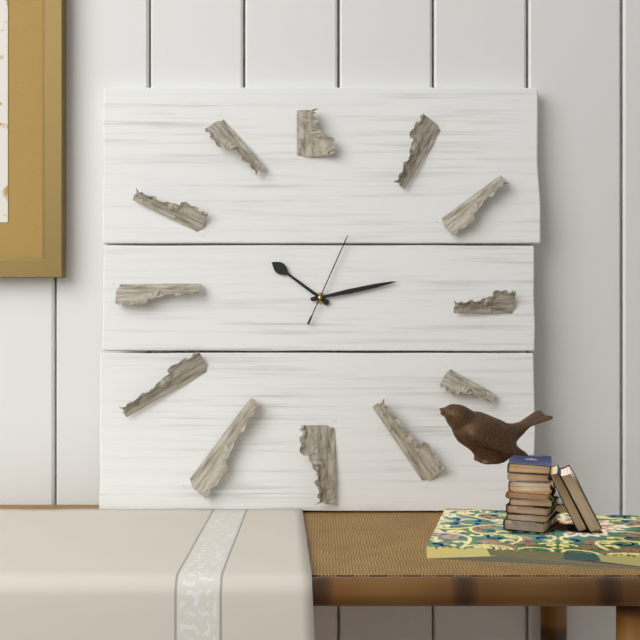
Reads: 10.13.04
